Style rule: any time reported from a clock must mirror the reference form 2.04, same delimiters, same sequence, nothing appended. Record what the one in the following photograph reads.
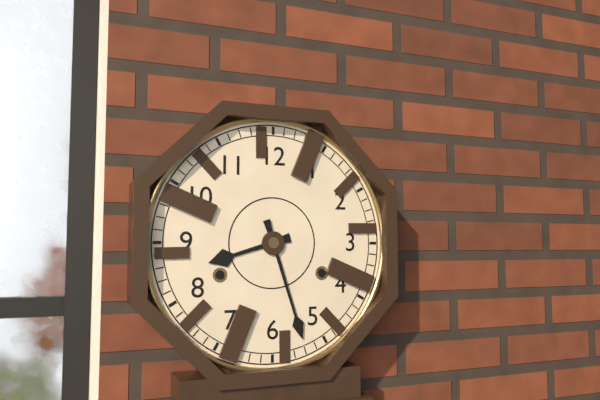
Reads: 8.27
